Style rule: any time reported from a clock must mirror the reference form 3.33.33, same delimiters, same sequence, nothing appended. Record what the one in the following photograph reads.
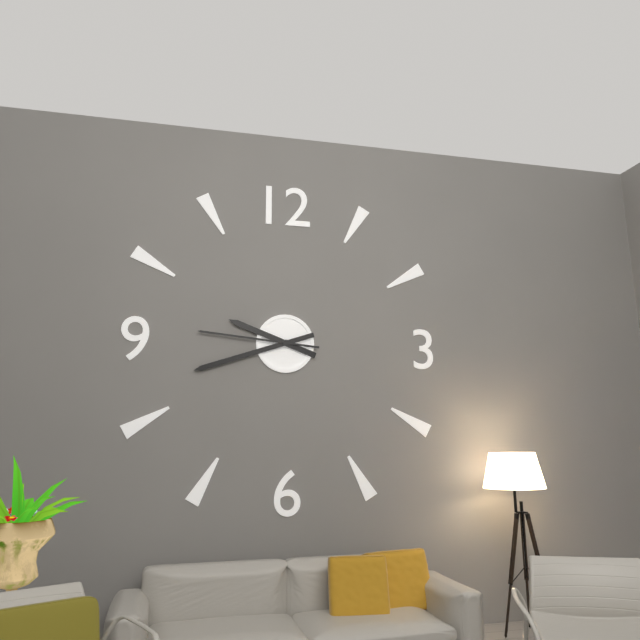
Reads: 9.42.46
